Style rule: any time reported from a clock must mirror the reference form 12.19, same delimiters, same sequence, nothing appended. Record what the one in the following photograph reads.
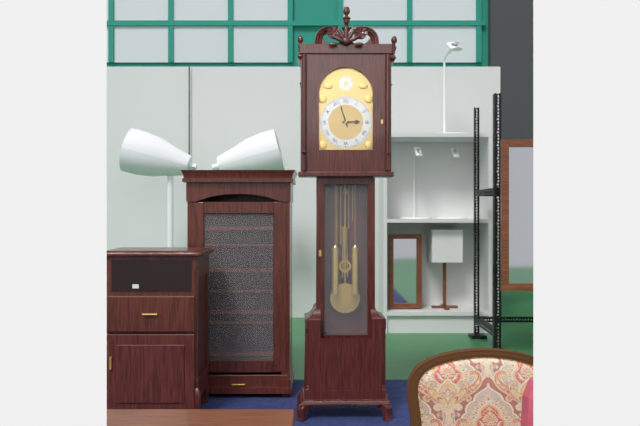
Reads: 2.57
